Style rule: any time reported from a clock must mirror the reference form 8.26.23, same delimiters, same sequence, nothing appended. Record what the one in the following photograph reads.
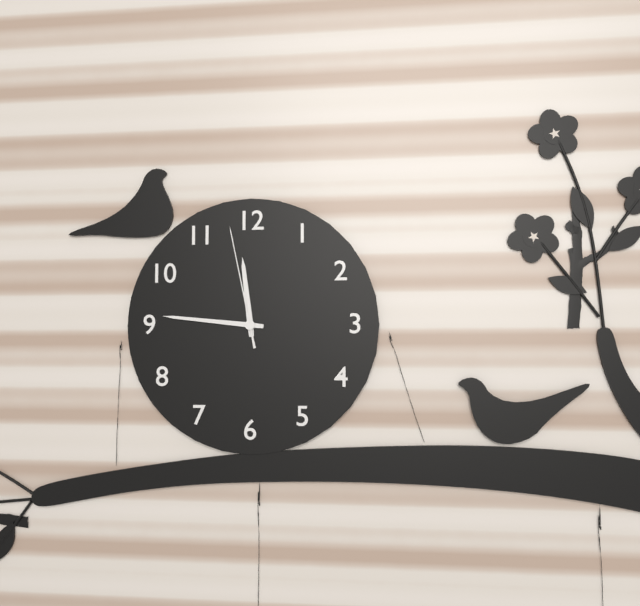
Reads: 11.46.58
